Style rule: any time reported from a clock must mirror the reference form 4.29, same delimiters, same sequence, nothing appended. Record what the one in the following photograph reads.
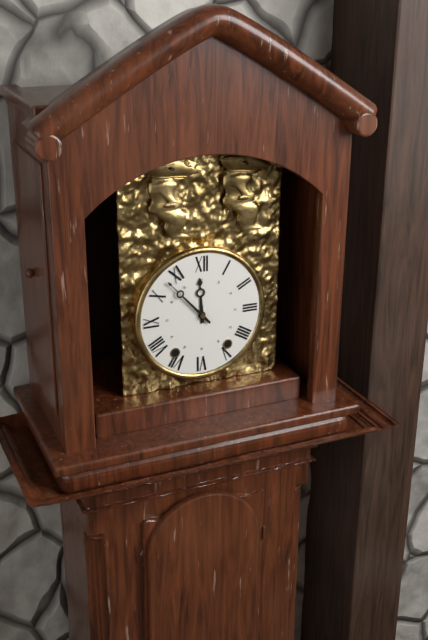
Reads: 11.53
